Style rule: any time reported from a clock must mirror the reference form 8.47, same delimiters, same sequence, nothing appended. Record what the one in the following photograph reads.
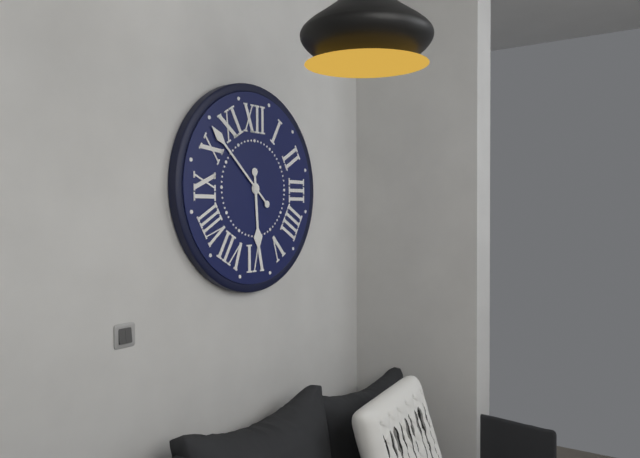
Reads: 5.52
